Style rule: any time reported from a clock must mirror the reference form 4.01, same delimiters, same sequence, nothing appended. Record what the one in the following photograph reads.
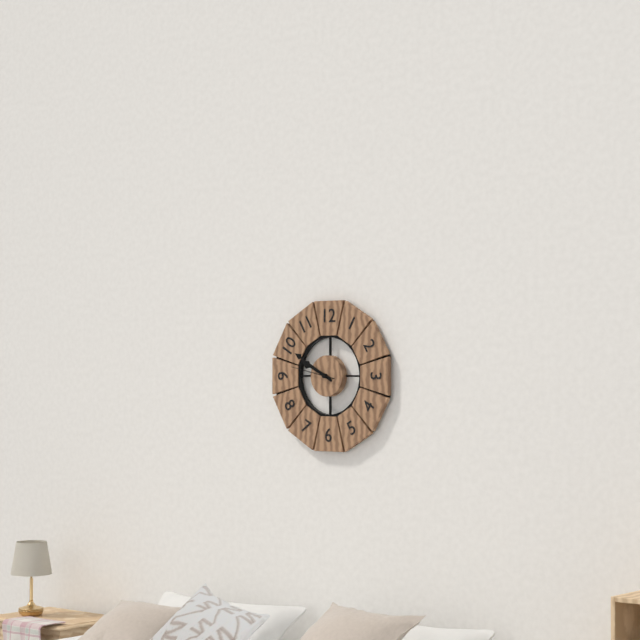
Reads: 9.50
